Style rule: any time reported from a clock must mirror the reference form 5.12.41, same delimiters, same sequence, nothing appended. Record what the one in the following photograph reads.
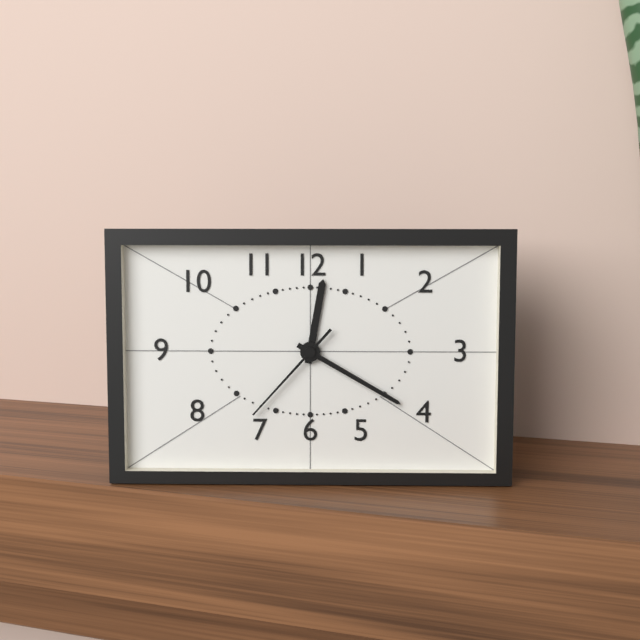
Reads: 12.20.37
